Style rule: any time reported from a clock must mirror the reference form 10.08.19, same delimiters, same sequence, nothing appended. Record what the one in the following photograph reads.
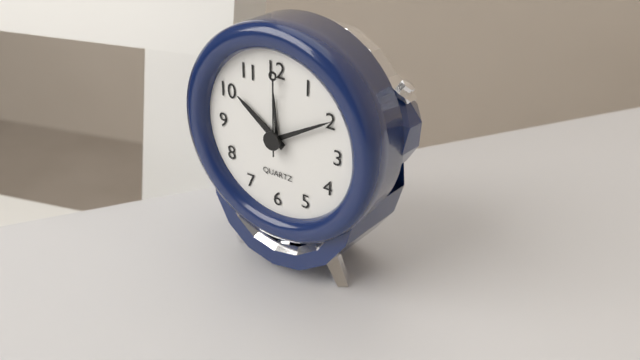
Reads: 10.10.00
